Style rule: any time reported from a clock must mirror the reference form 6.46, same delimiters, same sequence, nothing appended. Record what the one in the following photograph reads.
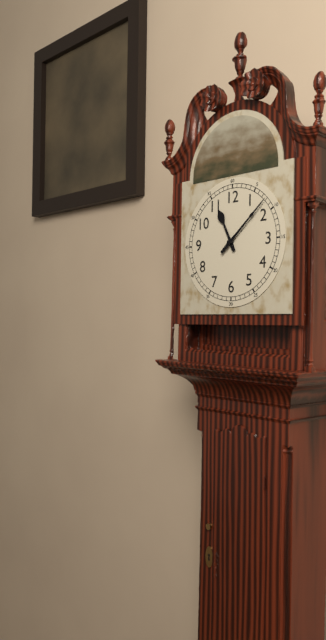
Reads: 11.08
